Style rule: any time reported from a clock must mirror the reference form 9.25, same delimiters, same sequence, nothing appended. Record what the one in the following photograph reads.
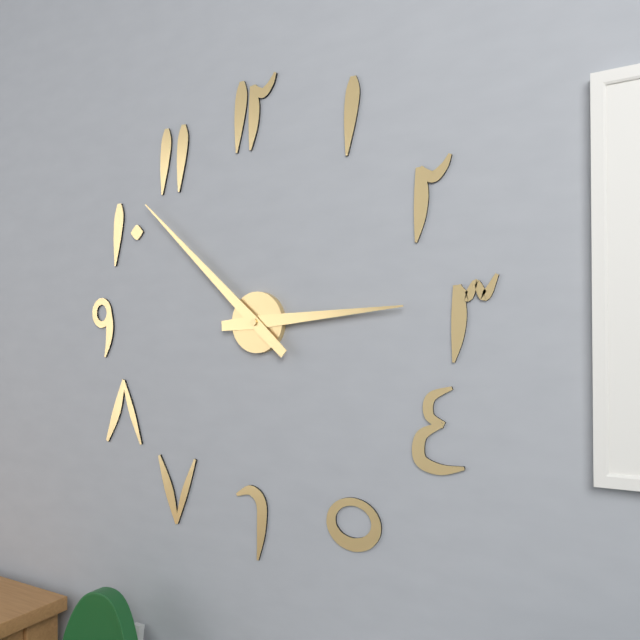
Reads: 2.52
